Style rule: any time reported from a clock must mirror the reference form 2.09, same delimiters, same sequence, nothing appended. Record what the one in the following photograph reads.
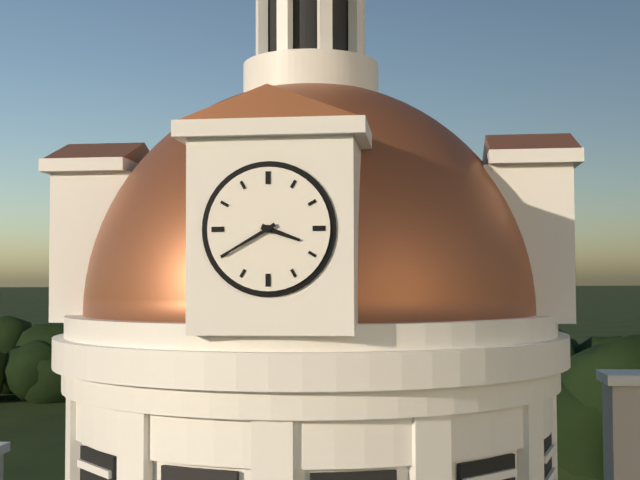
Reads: 3.40
